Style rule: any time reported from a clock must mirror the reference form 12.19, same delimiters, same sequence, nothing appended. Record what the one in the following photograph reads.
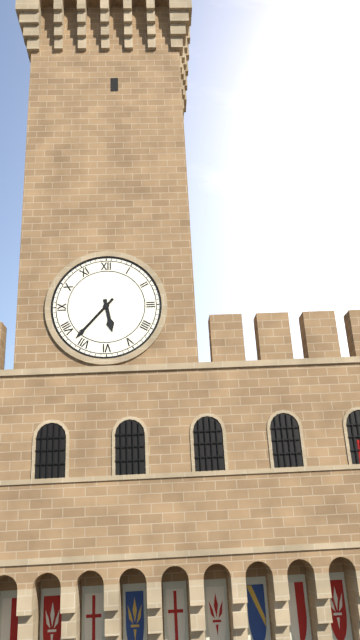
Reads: 5.37
